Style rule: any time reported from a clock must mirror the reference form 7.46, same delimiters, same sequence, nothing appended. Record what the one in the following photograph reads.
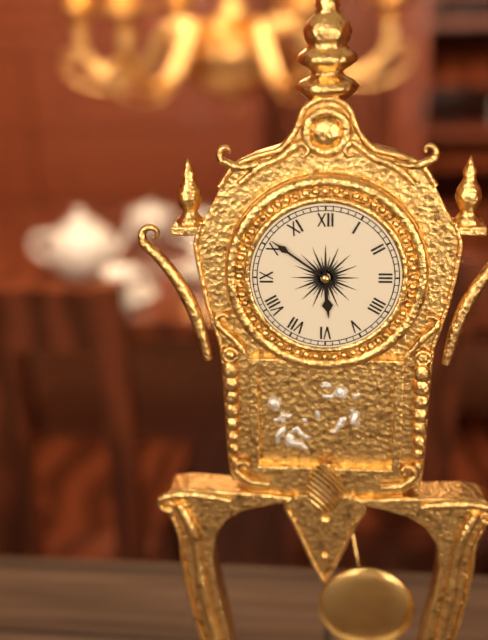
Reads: 5.51
